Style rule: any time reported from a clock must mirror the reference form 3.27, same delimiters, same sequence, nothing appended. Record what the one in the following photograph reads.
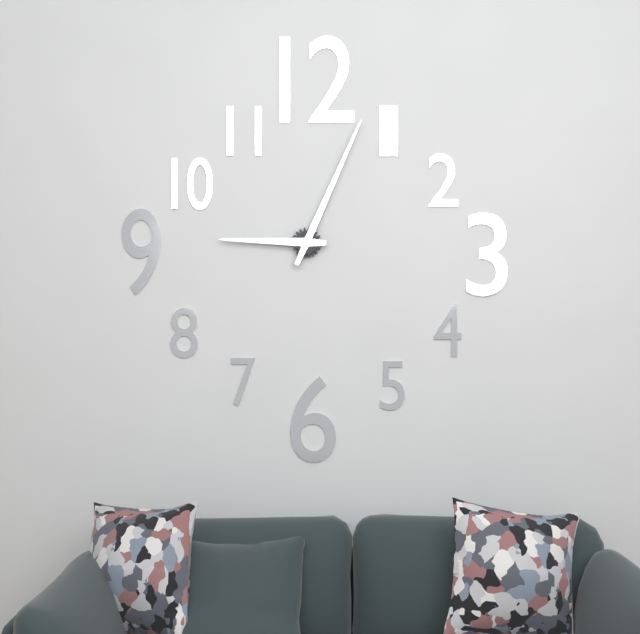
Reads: 9.04
